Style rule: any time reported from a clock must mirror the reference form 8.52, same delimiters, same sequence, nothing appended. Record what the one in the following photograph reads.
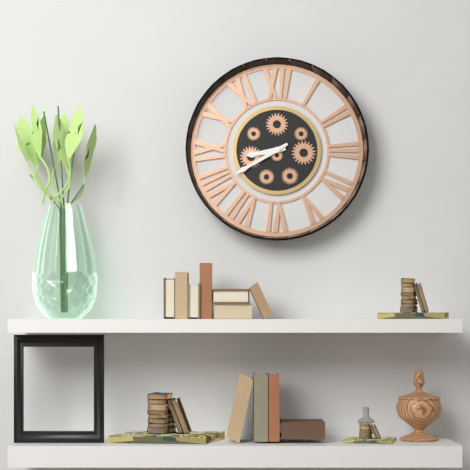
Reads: 8.40
